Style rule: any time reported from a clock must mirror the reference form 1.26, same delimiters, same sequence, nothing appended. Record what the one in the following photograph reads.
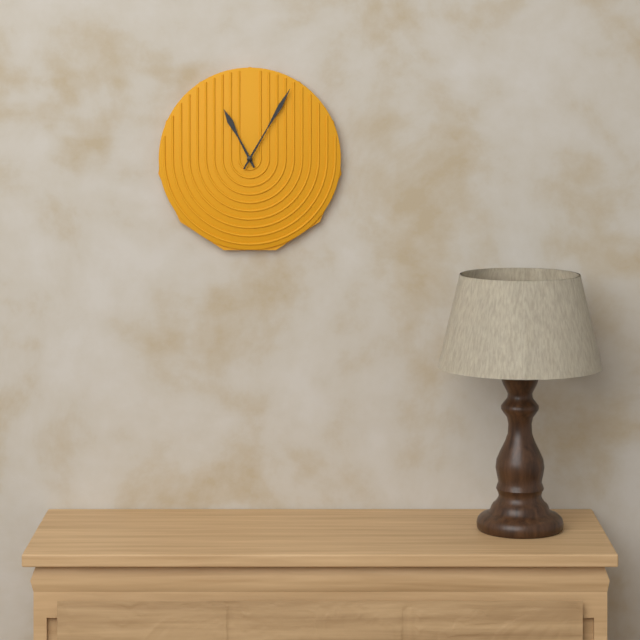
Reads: 11.05
